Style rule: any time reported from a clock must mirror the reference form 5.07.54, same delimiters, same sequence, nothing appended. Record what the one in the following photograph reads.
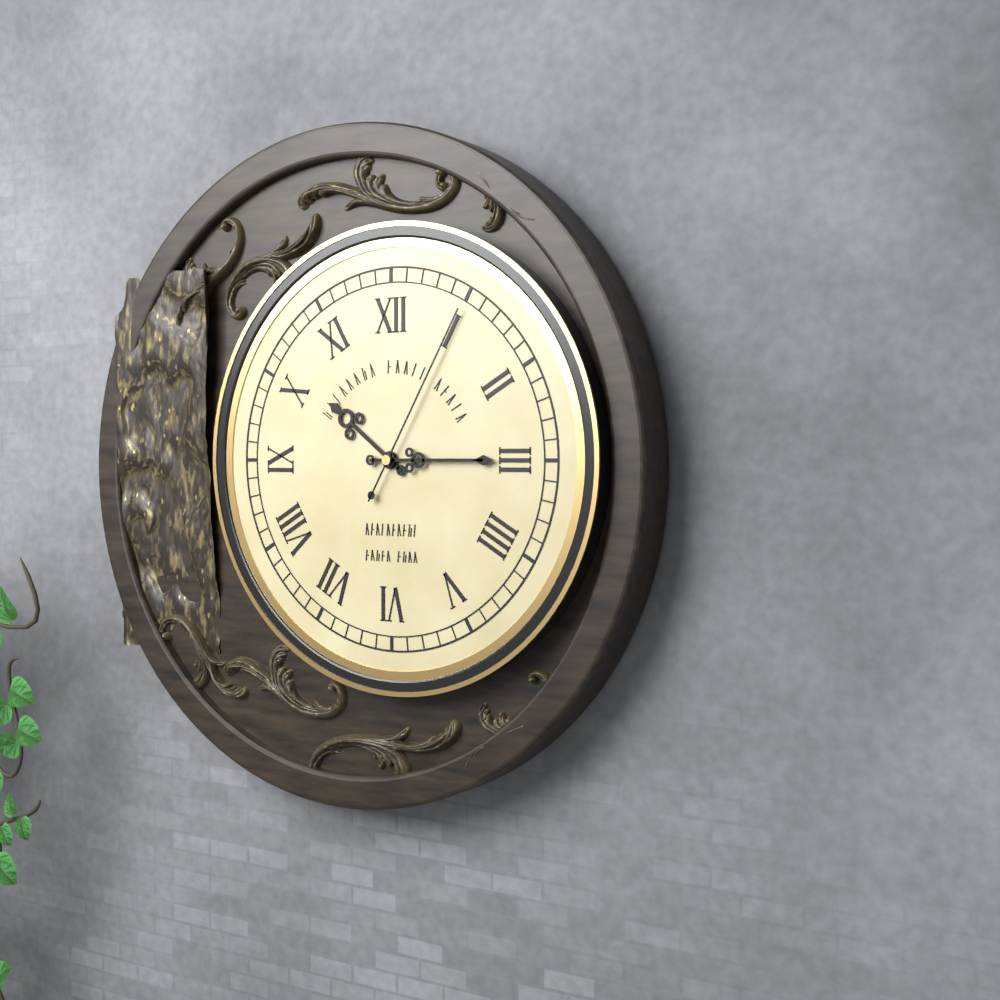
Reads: 10.15.05
